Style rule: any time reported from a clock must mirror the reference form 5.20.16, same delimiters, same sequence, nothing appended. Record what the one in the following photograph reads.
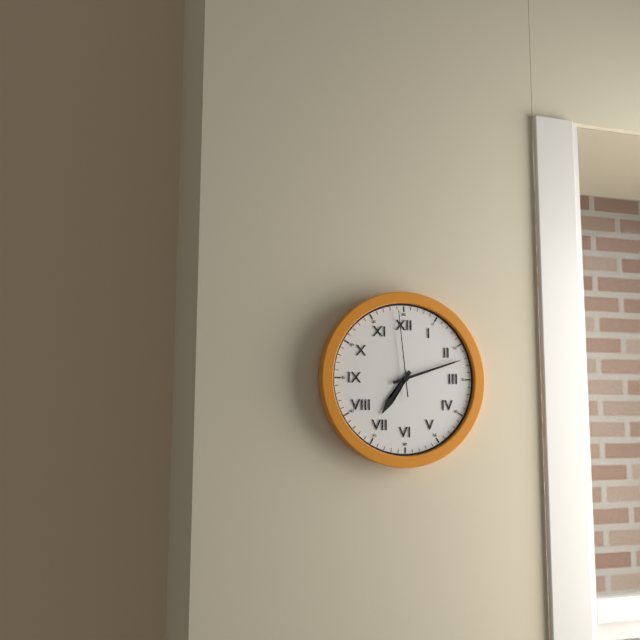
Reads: 7.12.59
